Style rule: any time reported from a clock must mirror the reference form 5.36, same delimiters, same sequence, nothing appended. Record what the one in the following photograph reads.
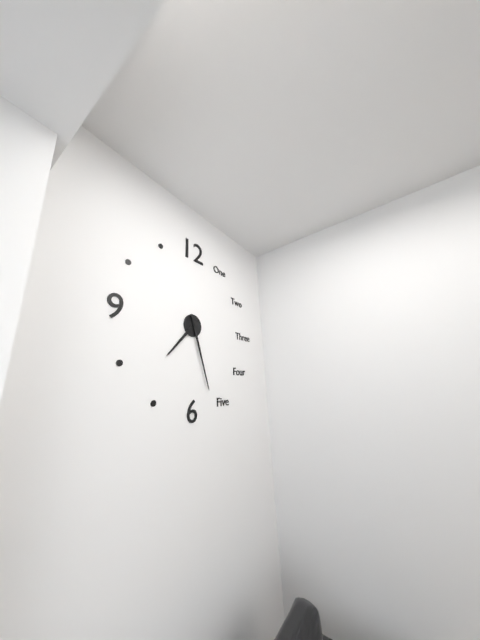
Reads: 7.27
